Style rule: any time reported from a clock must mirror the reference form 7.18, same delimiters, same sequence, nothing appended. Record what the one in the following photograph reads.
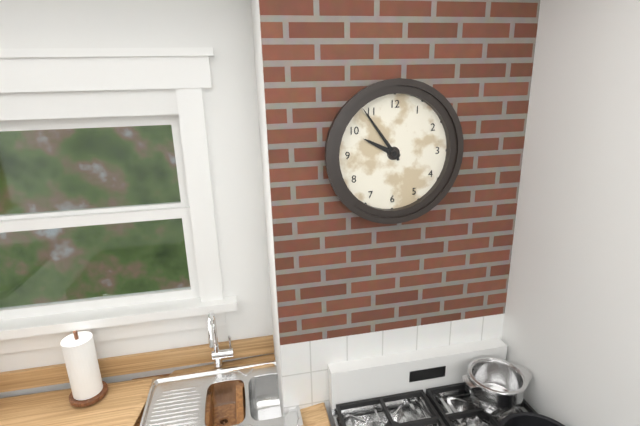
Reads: 9.54
